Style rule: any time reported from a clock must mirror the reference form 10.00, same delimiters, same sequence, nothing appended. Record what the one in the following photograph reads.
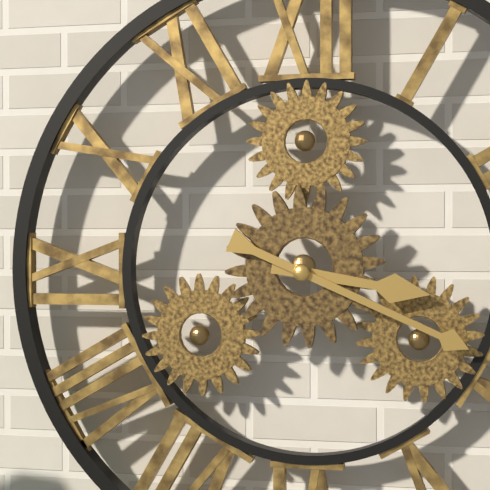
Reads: 3.19
